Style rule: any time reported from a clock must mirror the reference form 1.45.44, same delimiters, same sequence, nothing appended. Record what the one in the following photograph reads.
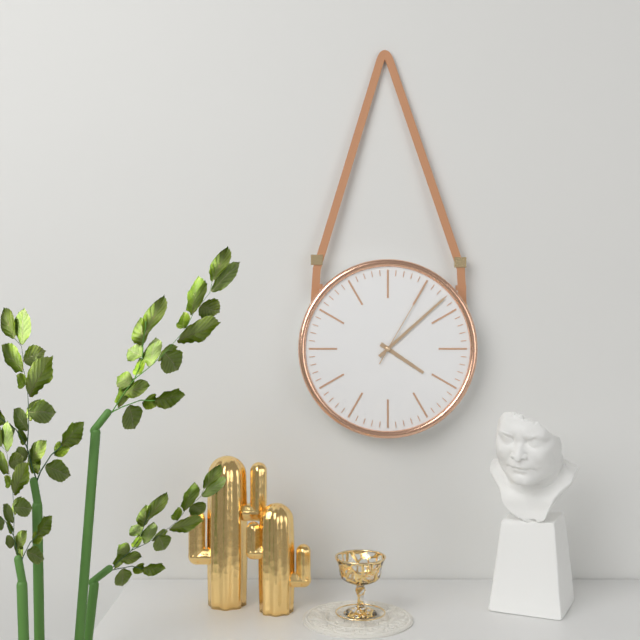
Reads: 4.08.05
